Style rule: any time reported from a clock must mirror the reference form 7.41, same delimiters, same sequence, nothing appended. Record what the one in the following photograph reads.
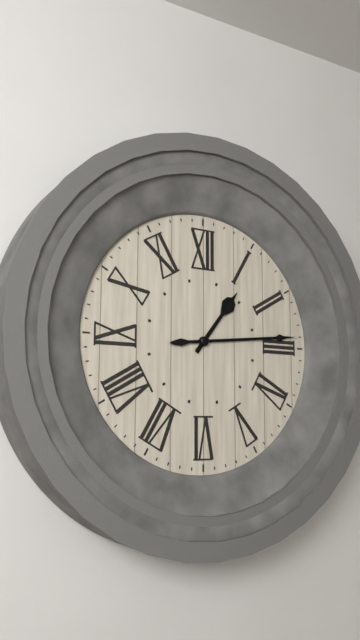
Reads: 1.14
